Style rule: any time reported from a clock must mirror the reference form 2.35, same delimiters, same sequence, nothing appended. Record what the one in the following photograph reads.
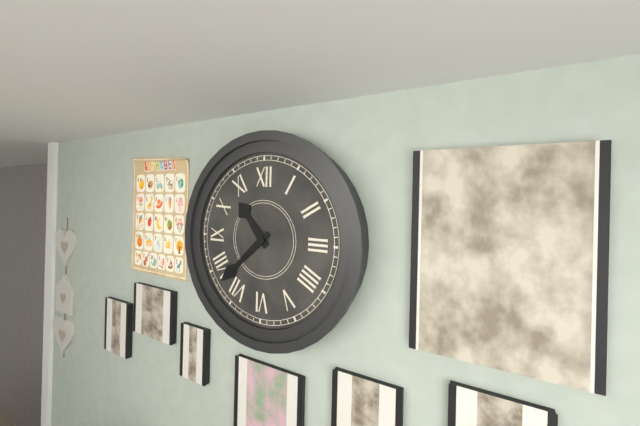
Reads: 10.38
